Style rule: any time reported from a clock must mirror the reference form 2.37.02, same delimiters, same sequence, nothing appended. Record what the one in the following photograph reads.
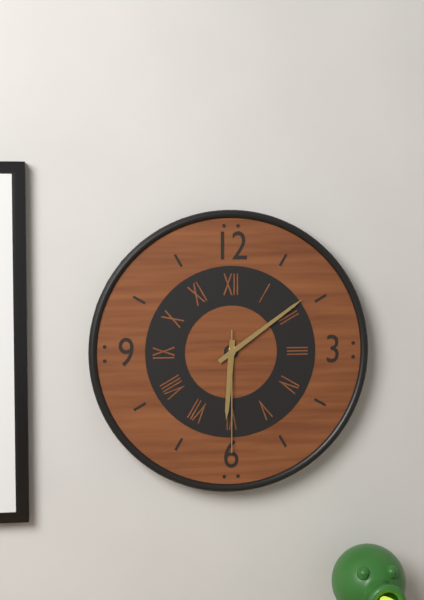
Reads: 6.09.30
